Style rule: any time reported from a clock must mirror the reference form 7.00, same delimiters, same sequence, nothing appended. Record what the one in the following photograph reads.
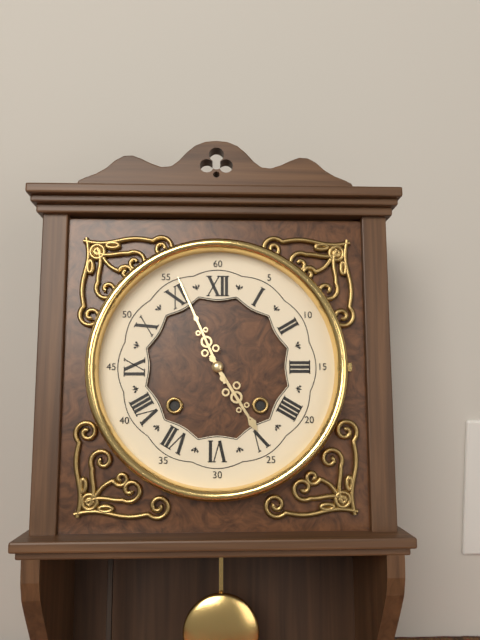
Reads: 4.56
